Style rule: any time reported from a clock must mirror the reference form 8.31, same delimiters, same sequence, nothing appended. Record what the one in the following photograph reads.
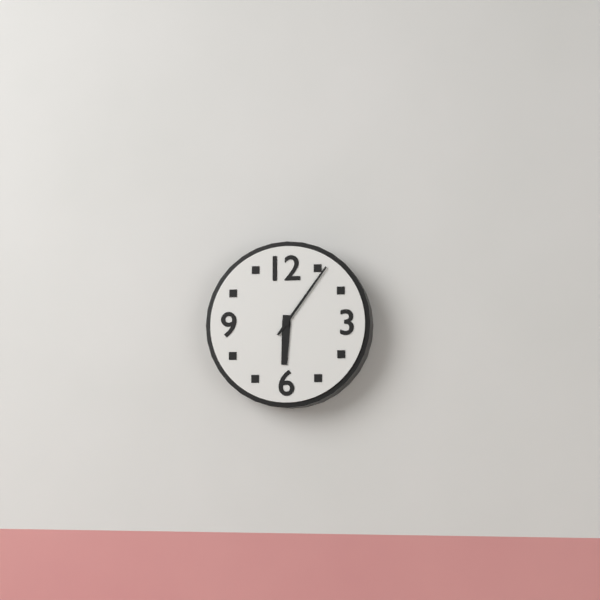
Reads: 6.06
